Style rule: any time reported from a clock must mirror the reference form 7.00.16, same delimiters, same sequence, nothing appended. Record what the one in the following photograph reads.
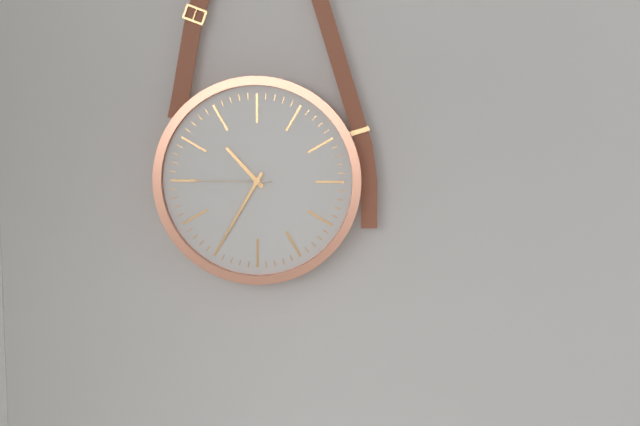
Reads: 10.35.45
